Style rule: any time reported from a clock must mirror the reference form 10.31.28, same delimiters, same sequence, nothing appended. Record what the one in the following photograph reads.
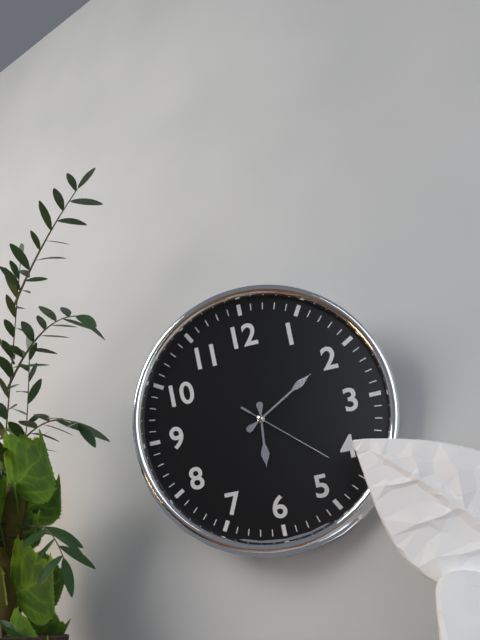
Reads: 6.10.22
